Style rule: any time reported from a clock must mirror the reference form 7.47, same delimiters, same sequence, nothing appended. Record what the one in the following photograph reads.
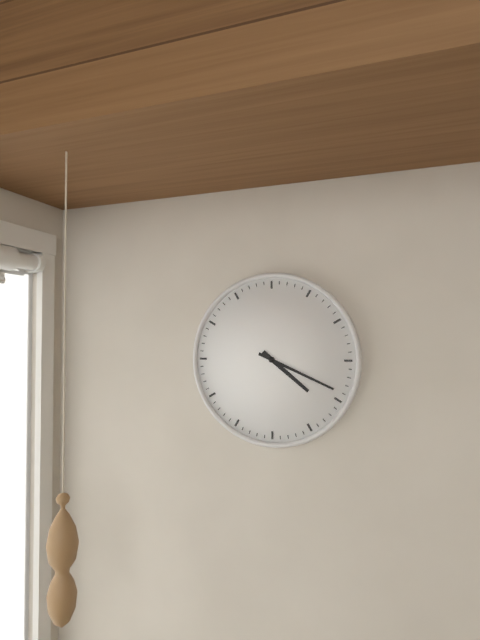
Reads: 4.19
